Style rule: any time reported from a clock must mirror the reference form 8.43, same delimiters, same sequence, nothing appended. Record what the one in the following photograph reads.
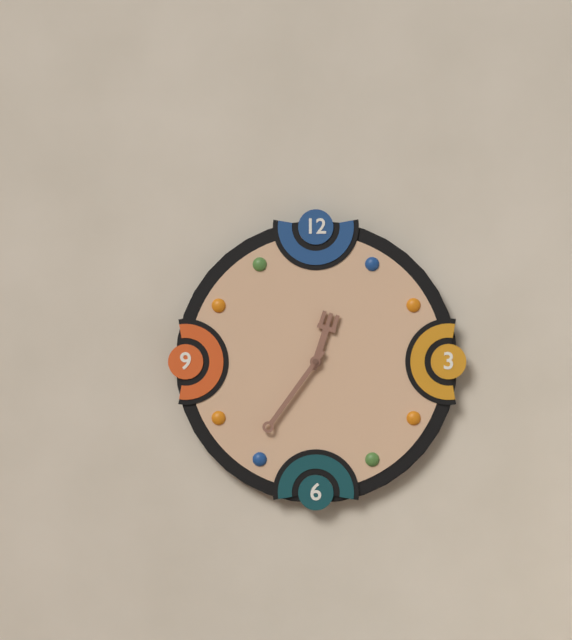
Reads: 12.36
